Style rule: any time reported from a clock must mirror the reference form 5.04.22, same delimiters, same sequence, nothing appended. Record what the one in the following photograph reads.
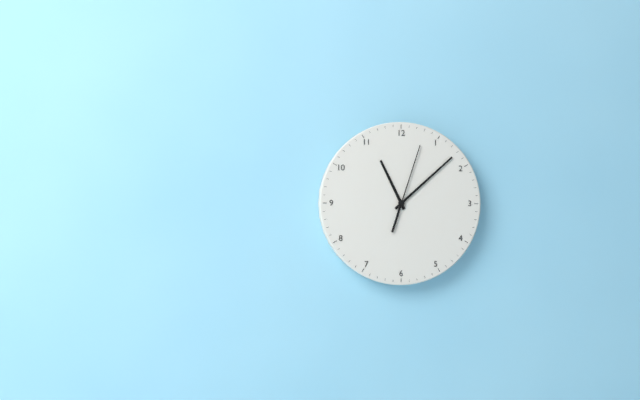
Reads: 11.08.03
